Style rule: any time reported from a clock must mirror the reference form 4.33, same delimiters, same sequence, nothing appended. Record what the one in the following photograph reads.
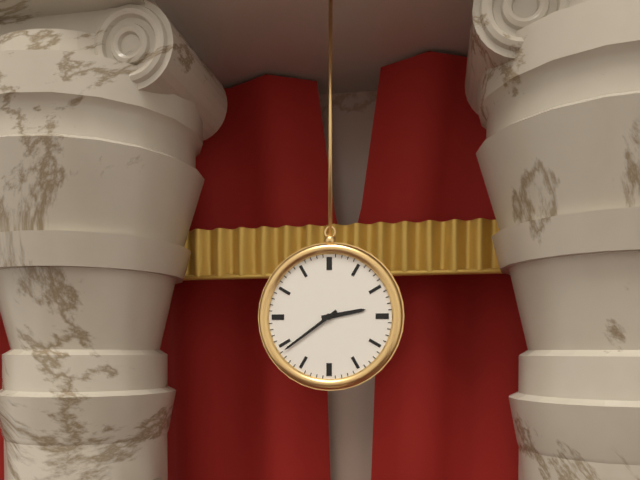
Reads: 2.39
